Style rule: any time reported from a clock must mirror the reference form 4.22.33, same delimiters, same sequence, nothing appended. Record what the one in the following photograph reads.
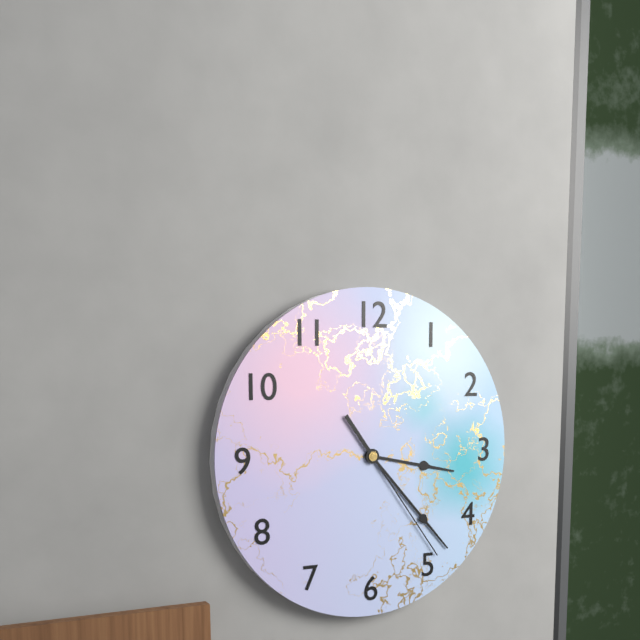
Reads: 3.23.24
